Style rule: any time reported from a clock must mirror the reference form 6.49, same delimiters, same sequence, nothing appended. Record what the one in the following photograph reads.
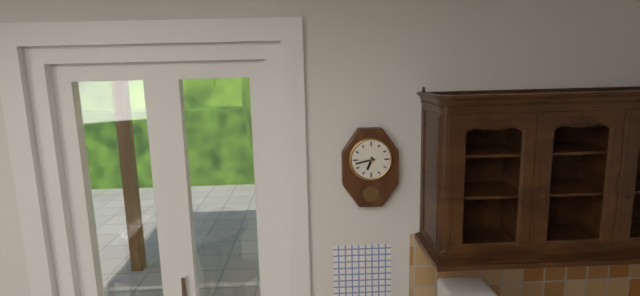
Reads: 6.43
